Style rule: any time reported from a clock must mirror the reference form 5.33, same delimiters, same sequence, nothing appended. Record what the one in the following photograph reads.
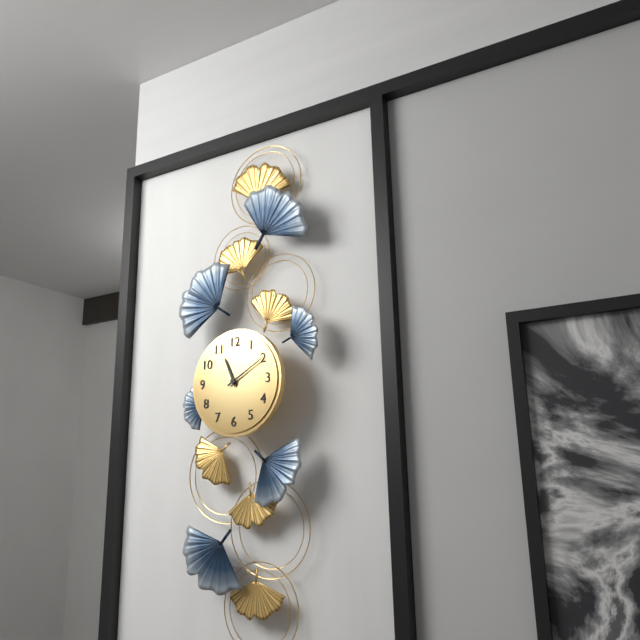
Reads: 11.10
